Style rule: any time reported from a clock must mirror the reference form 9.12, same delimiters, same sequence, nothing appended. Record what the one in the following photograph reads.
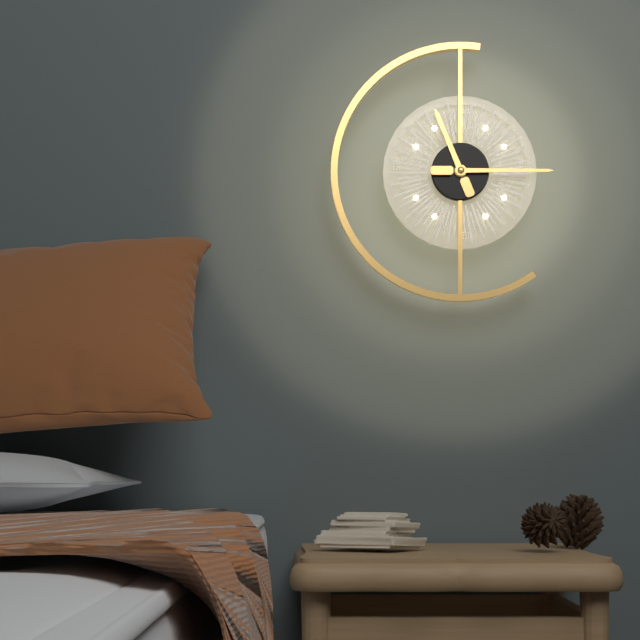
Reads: 11.15
